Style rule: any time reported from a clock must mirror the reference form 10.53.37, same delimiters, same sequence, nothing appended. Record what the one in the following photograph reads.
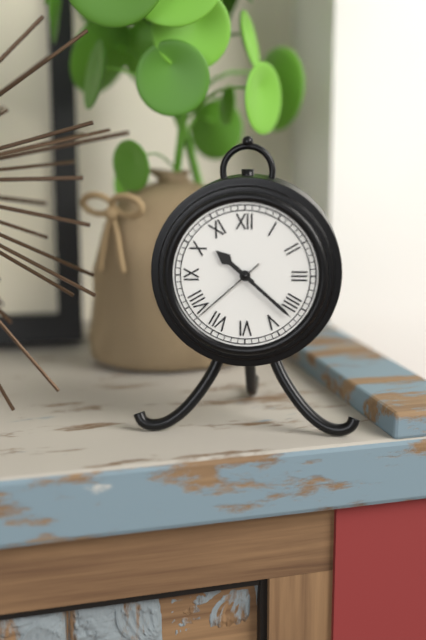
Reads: 10.22.38
